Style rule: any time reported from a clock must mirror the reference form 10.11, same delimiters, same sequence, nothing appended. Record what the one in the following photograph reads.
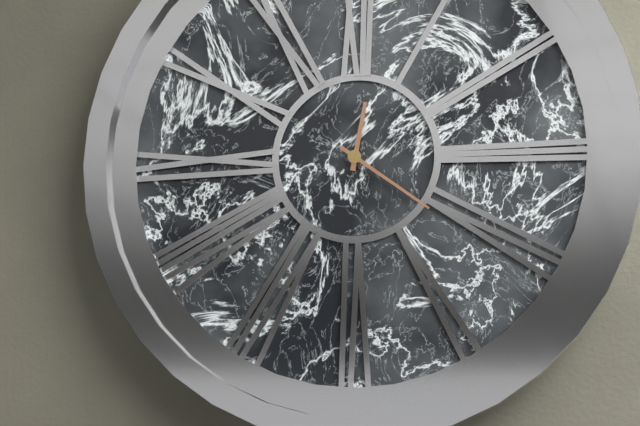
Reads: 12.21
